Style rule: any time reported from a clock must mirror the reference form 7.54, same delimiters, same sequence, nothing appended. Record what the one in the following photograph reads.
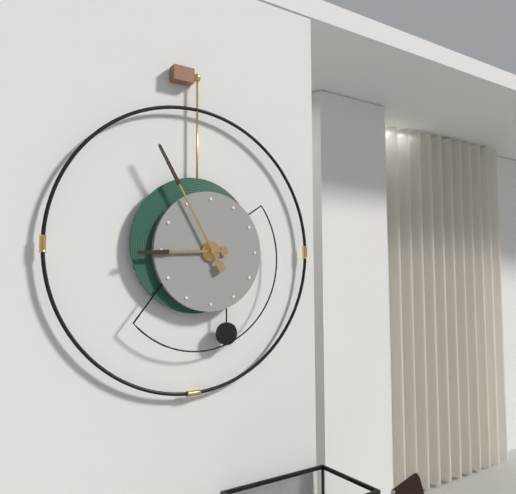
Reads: 8.55
